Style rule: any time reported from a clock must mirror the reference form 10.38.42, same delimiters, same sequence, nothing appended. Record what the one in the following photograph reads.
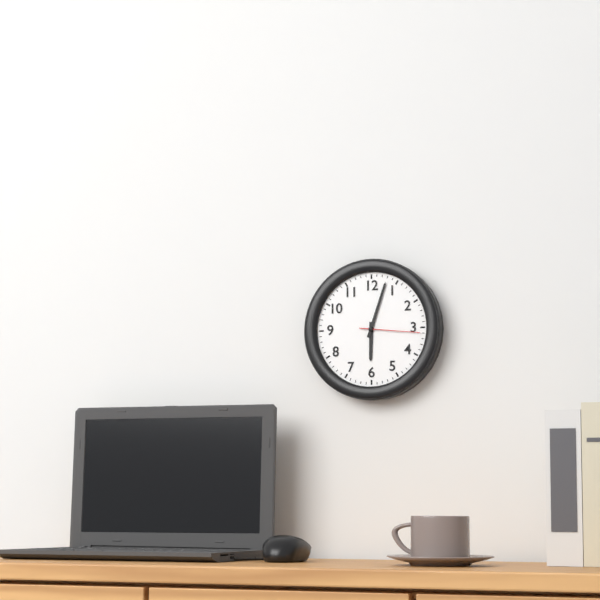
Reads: 6.03.16
